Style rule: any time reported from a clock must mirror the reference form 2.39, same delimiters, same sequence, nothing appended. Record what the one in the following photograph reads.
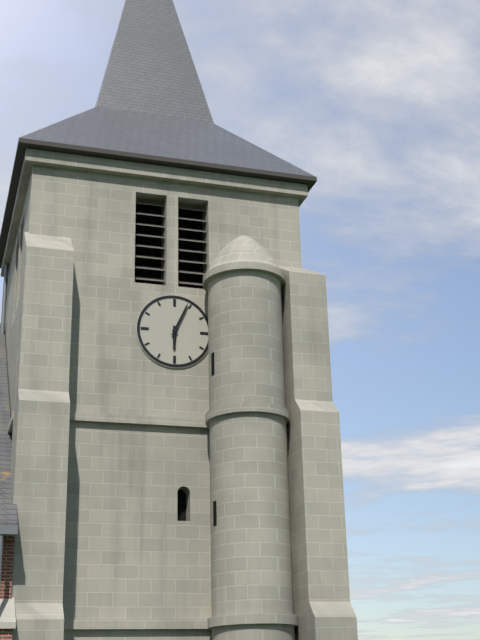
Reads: 6.04
